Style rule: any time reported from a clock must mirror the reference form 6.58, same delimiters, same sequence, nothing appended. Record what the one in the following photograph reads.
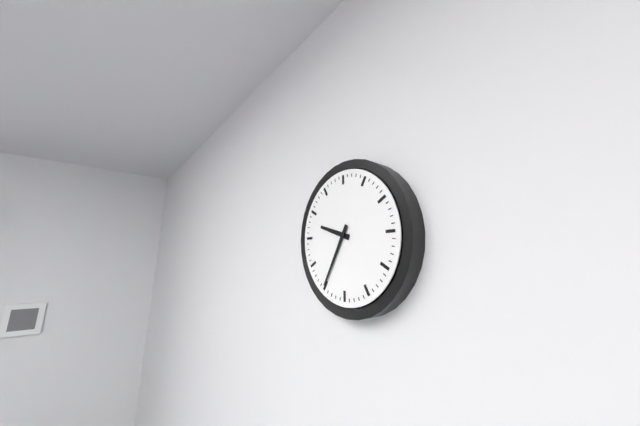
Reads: 9.35
